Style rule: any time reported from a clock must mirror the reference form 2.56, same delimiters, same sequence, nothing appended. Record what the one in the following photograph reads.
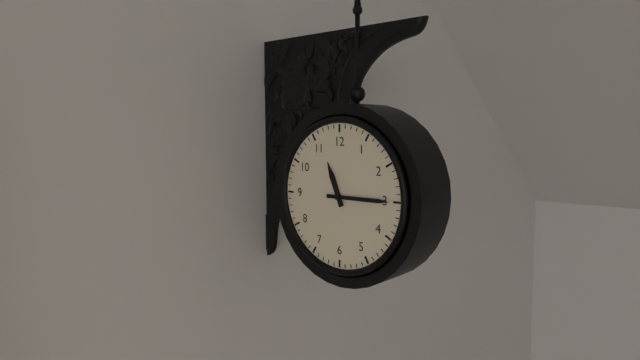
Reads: 11.15
